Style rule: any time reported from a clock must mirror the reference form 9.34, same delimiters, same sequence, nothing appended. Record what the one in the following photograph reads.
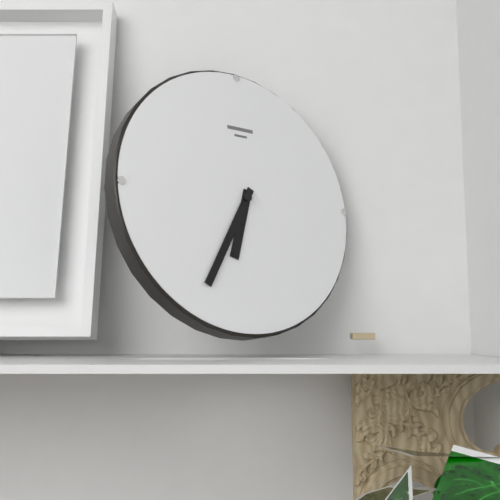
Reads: 6.35
